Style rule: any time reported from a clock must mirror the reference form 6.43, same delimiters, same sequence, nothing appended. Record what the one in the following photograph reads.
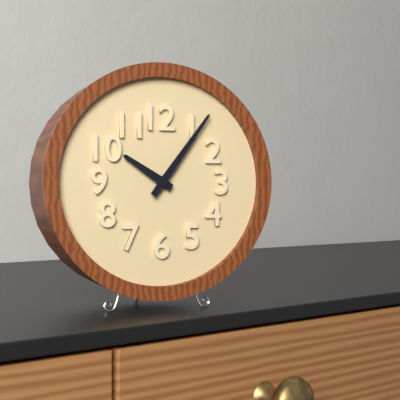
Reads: 10.06
